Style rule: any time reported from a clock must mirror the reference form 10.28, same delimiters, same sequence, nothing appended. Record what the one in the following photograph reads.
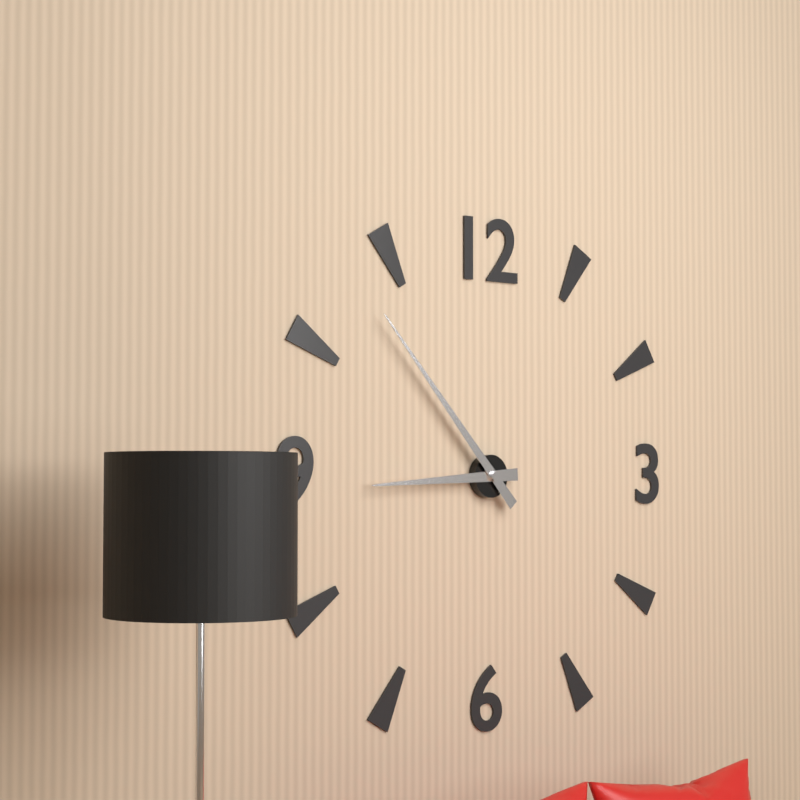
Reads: 8.53
